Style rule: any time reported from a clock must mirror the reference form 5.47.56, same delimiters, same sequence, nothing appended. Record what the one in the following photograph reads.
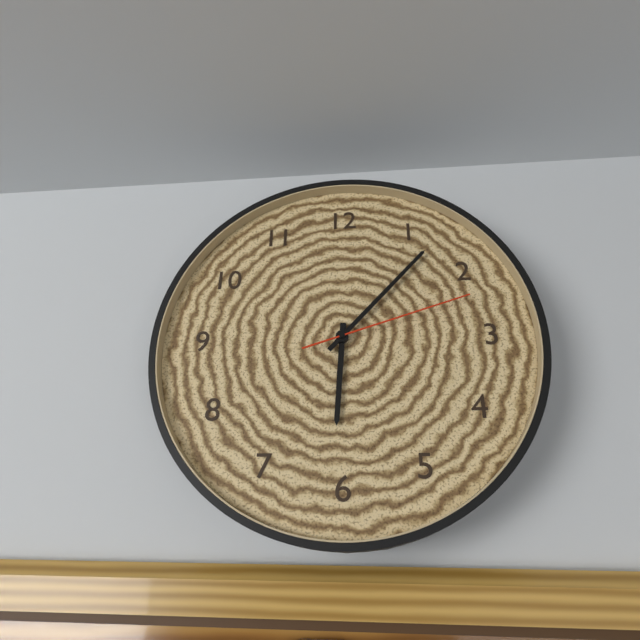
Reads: 6.07.12
